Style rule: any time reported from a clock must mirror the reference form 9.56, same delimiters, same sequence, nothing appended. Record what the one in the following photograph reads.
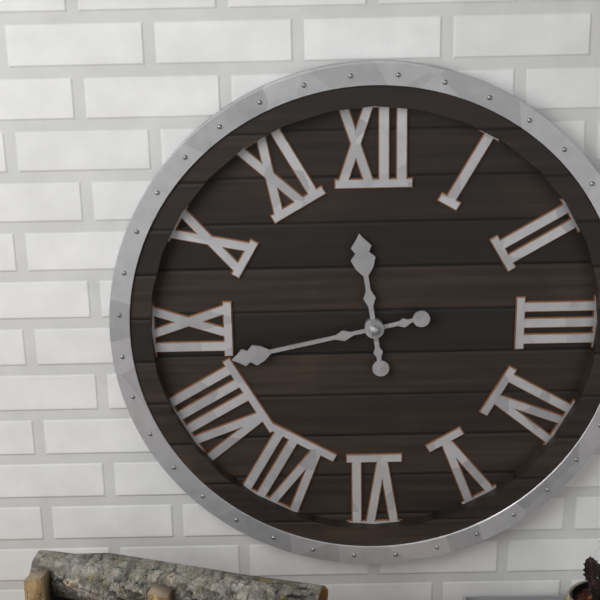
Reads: 11.43
